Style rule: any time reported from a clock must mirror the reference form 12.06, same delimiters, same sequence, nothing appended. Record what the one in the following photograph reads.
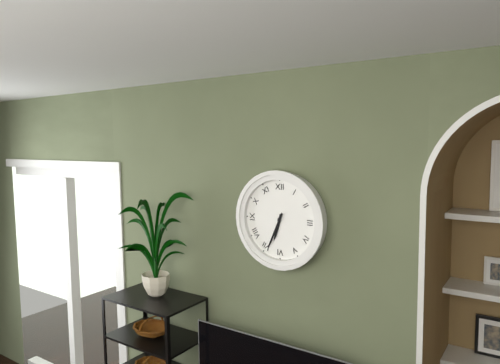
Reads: 6.34
